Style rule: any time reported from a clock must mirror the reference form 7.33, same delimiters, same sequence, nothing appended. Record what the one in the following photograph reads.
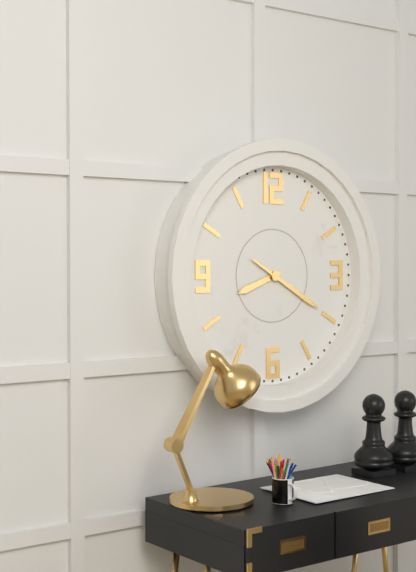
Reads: 8.20
